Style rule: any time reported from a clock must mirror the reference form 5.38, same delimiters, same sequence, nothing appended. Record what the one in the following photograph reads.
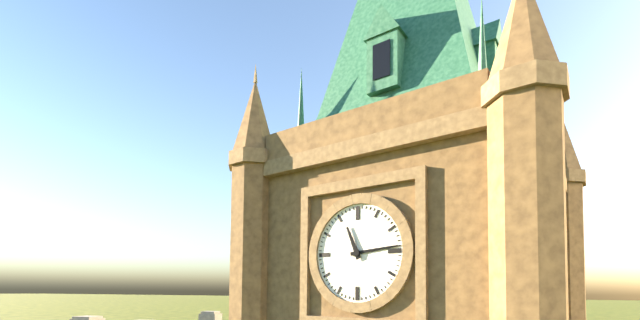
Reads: 11.14
